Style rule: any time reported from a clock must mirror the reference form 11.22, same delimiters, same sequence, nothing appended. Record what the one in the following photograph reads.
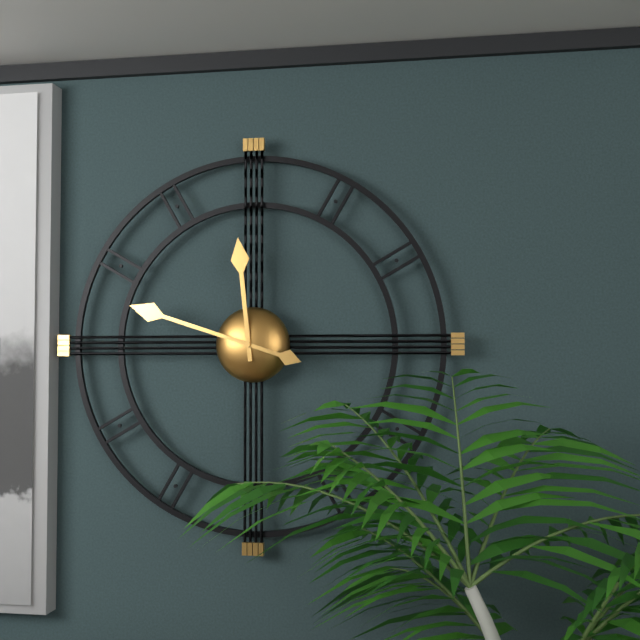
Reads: 11.48
